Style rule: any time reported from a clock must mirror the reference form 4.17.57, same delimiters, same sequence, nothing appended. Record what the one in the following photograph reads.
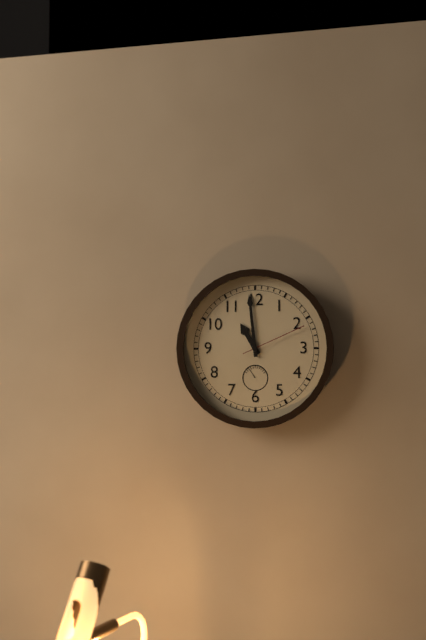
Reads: 10.59.11
